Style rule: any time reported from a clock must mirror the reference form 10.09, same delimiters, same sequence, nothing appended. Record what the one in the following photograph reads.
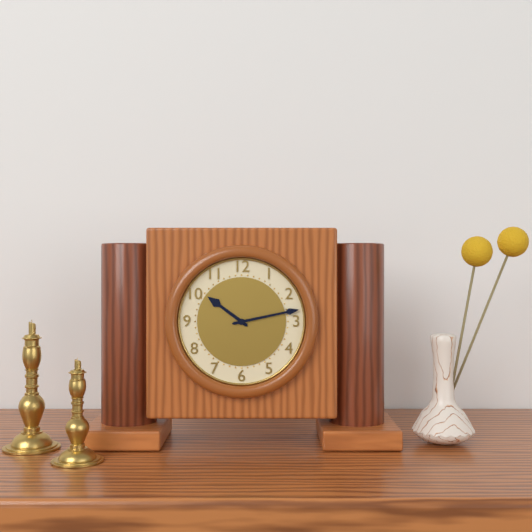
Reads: 10.13
